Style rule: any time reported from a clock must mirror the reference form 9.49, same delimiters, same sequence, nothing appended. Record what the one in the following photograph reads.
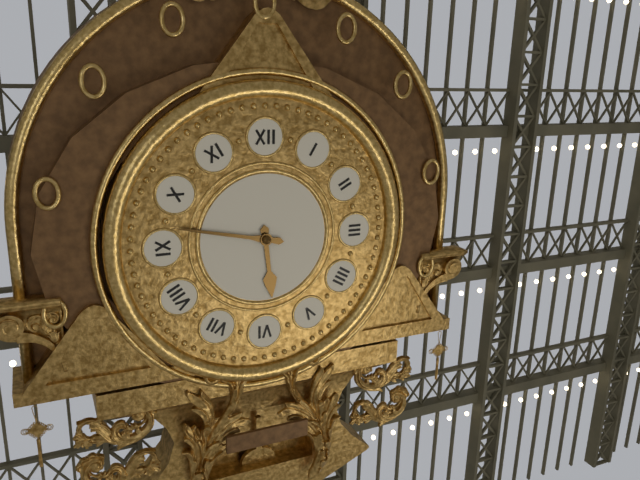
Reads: 5.47
